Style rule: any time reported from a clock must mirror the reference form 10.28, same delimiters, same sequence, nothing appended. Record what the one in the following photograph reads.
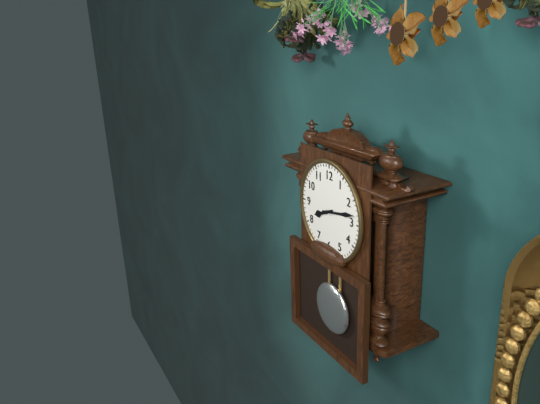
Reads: 8.13
